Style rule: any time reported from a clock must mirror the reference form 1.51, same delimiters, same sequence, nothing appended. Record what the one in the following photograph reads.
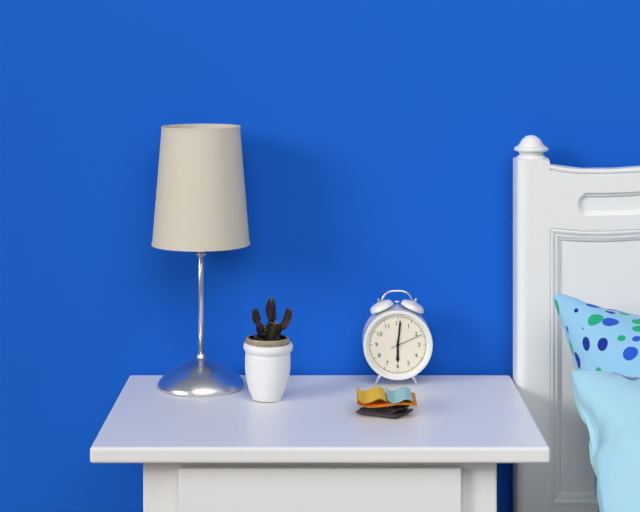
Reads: 6.01
